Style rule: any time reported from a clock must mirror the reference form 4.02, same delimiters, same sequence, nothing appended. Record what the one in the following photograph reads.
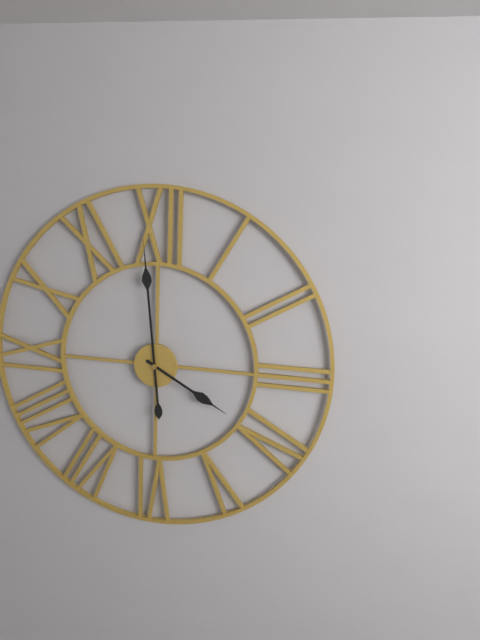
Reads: 3.59
